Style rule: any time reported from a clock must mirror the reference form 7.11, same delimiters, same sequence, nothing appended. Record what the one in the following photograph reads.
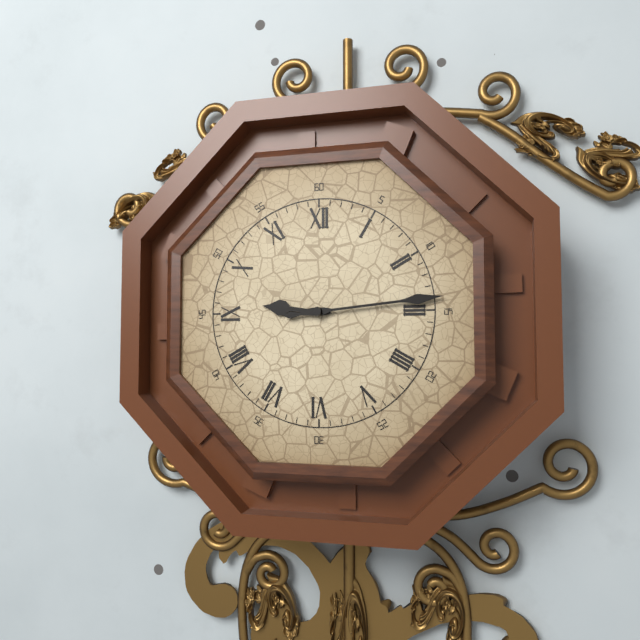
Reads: 9.14
